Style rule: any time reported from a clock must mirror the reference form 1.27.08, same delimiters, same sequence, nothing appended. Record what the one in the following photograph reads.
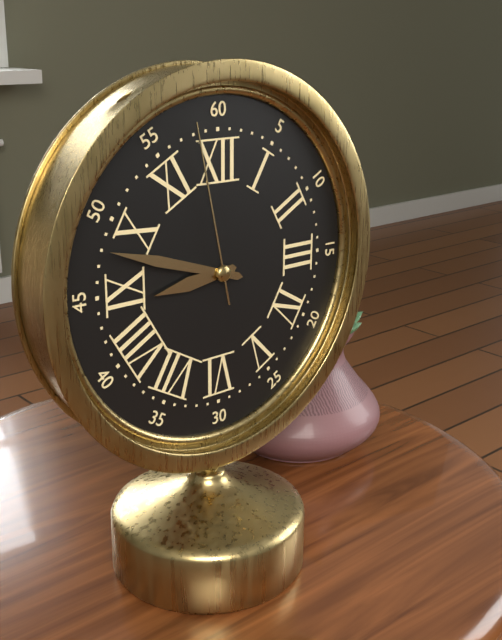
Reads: 8.48.58
